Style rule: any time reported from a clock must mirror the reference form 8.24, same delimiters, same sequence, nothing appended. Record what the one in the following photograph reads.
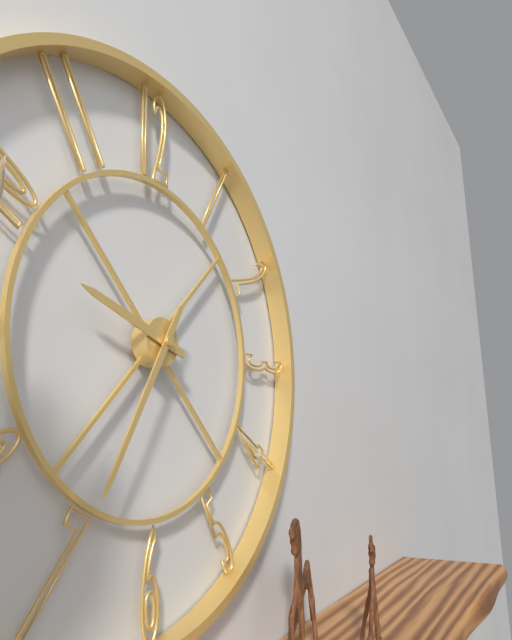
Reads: 9.35
